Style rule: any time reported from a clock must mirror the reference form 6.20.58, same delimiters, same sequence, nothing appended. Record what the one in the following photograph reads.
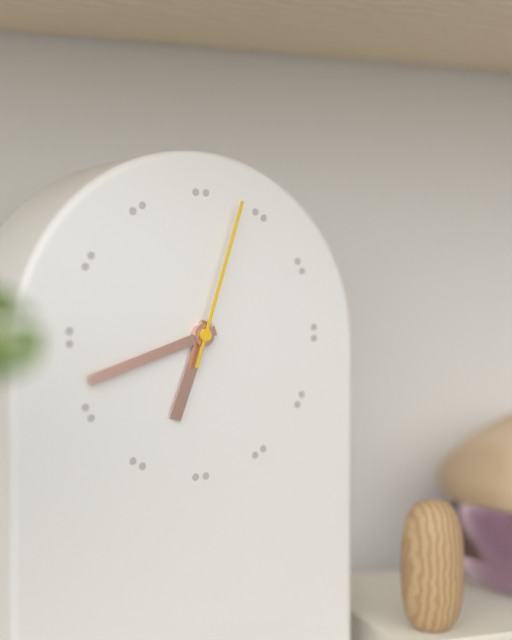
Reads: 6.42.03
